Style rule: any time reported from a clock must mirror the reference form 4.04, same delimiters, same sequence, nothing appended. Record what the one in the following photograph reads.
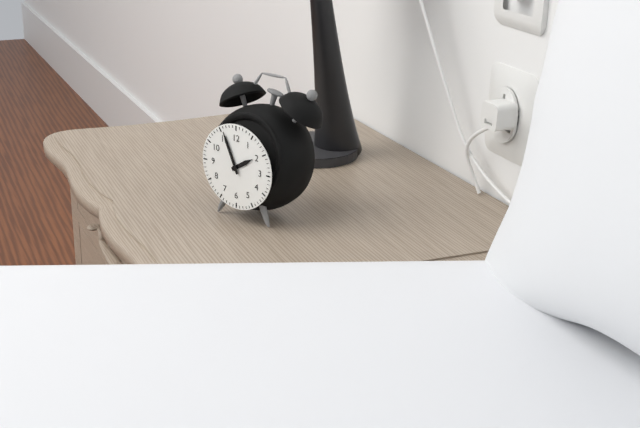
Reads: 1.56
